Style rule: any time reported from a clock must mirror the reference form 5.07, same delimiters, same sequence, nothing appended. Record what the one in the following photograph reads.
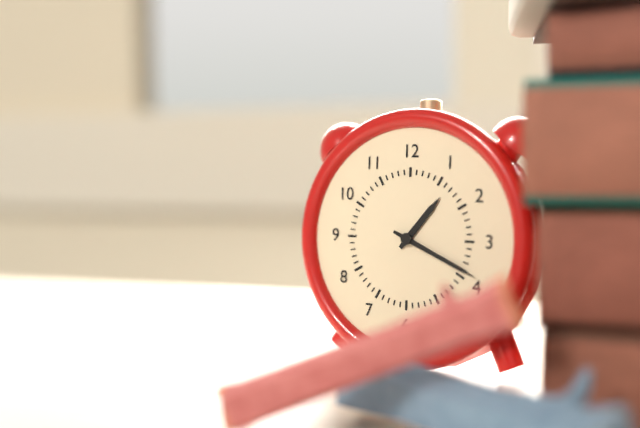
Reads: 1.19
